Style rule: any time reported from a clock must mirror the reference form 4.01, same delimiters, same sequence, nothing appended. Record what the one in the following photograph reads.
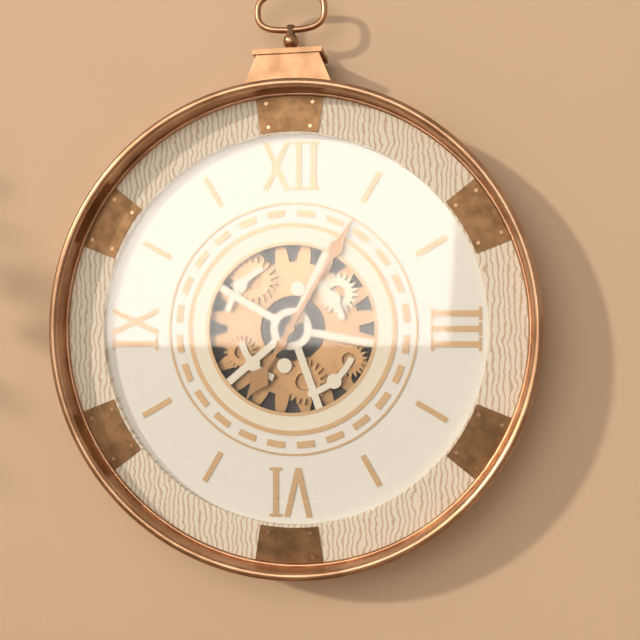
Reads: 7.05
